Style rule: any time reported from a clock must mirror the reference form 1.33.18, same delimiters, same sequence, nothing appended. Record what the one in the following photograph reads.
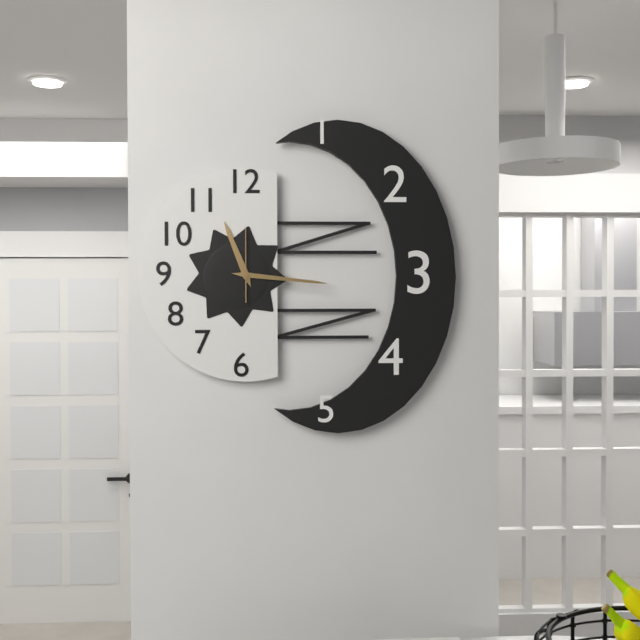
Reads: 11.16.00
